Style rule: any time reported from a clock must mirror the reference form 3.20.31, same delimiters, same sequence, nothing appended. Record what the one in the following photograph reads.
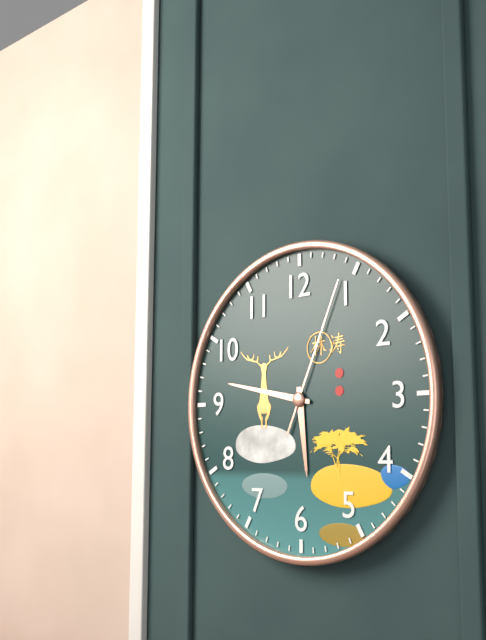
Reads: 5.47.04
